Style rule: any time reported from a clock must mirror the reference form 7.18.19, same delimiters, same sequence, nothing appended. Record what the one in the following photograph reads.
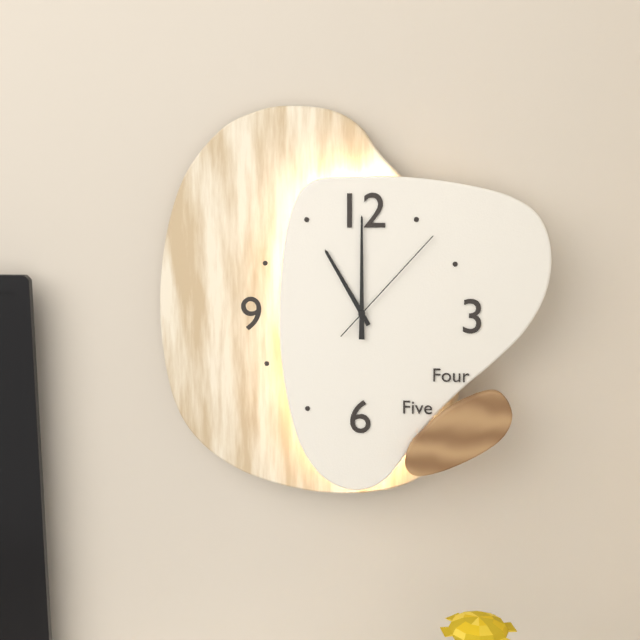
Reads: 11.00.07
